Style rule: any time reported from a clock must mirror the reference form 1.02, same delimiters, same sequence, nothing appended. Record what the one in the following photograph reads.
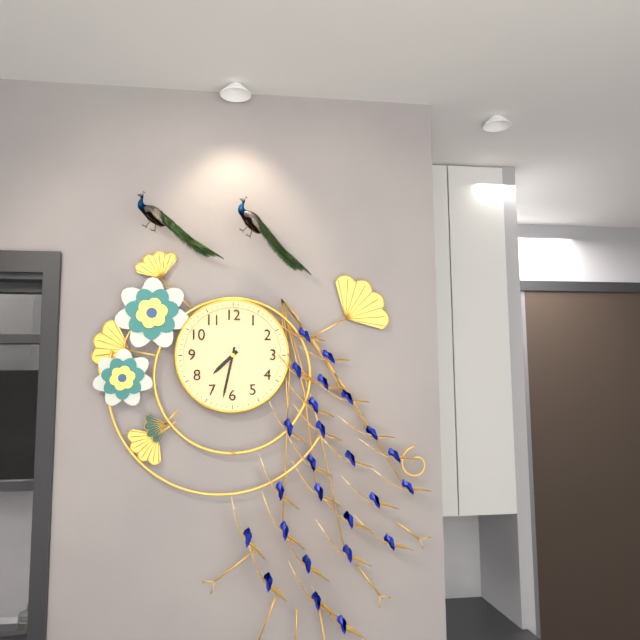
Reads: 7.32
